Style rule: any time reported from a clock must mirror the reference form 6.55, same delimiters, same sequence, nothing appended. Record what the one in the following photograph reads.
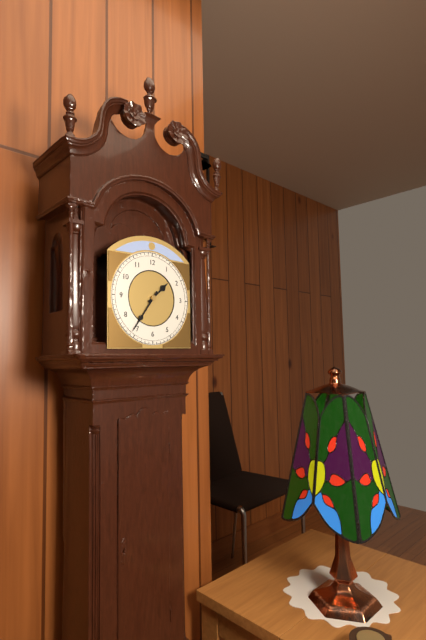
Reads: 1.36
